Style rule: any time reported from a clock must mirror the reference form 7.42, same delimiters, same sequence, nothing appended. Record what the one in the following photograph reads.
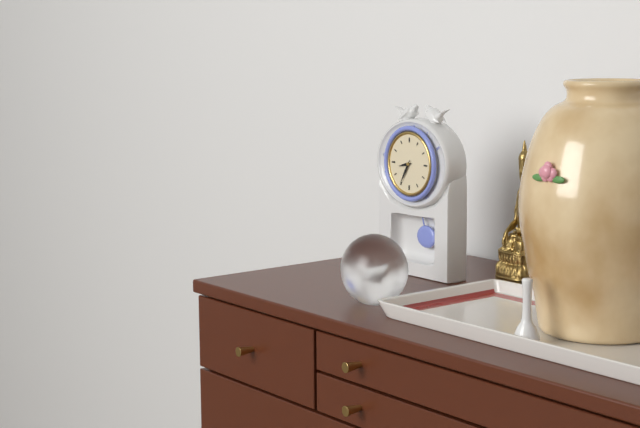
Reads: 8.35
